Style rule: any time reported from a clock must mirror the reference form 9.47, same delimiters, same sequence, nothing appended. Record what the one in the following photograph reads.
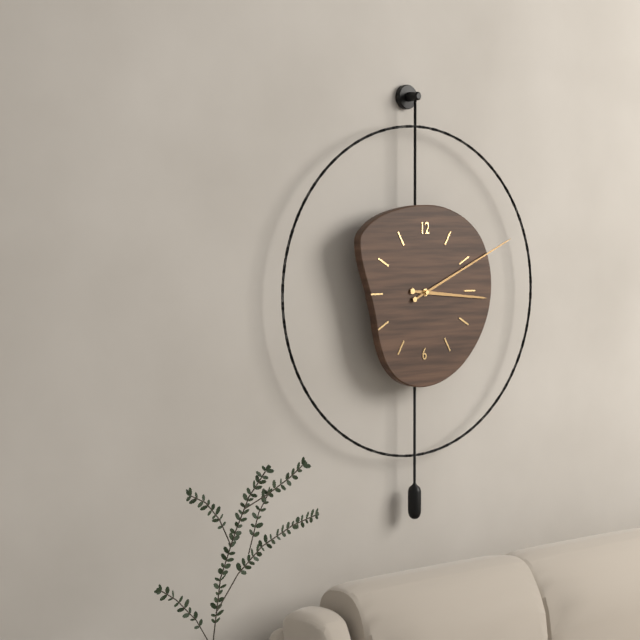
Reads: 3.11
